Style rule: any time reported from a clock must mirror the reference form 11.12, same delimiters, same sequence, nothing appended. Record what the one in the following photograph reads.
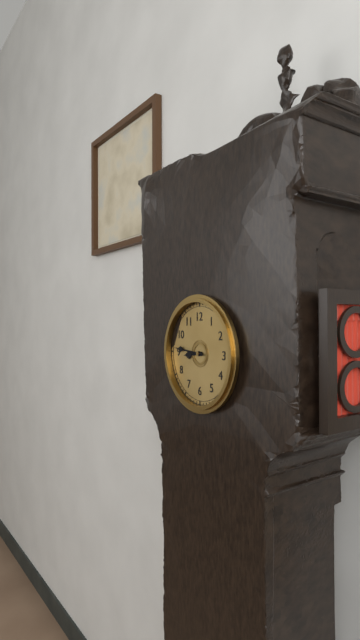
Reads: 8.46
